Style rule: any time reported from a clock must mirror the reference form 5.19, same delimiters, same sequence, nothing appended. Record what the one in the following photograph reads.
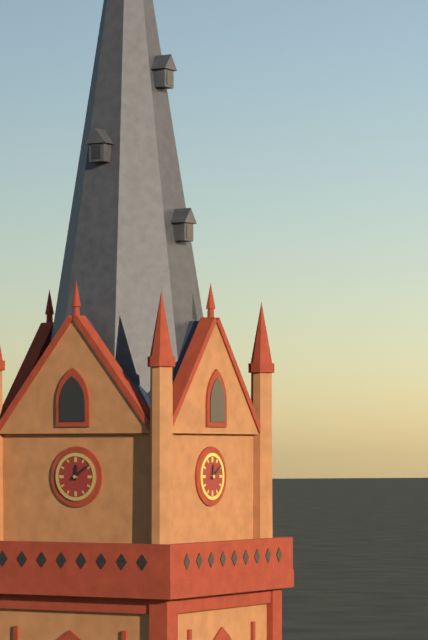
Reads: 12.09
